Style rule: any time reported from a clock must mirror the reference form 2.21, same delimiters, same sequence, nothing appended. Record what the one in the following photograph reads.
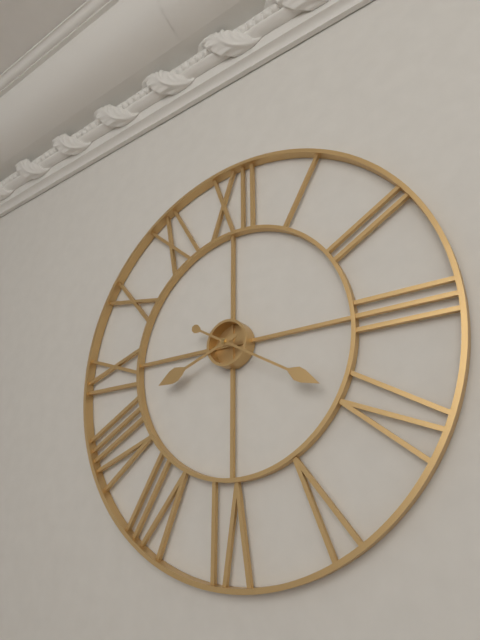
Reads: 8.20
